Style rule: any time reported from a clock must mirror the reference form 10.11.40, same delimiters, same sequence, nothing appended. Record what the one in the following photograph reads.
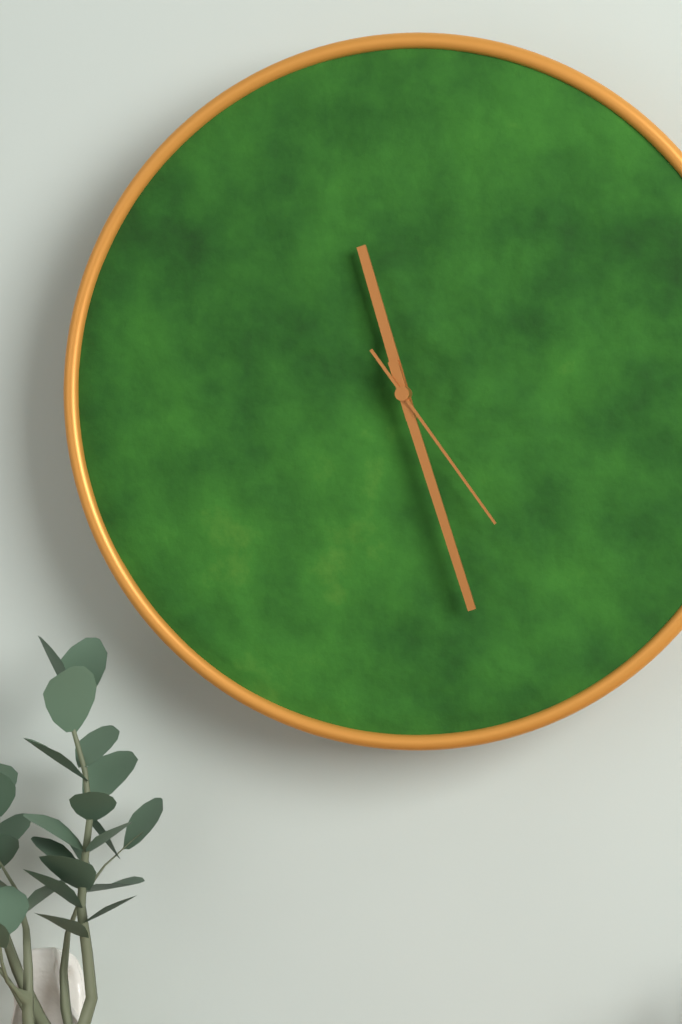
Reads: 11.27.24
